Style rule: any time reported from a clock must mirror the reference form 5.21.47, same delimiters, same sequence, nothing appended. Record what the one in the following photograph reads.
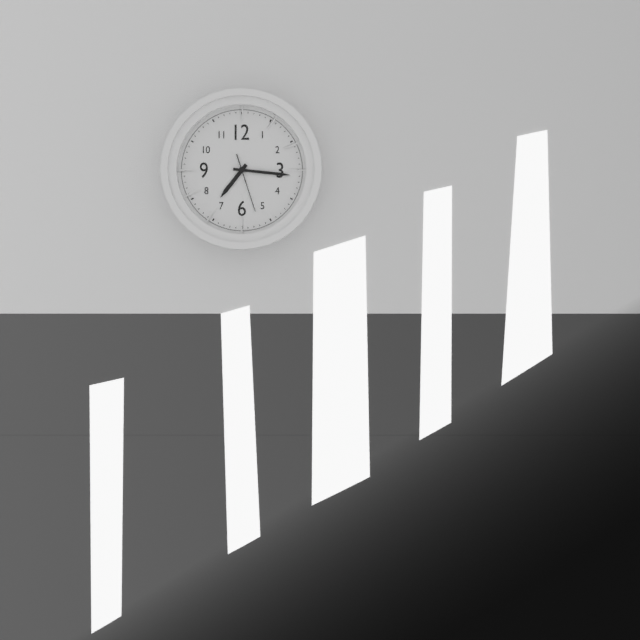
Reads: 7.16.27
